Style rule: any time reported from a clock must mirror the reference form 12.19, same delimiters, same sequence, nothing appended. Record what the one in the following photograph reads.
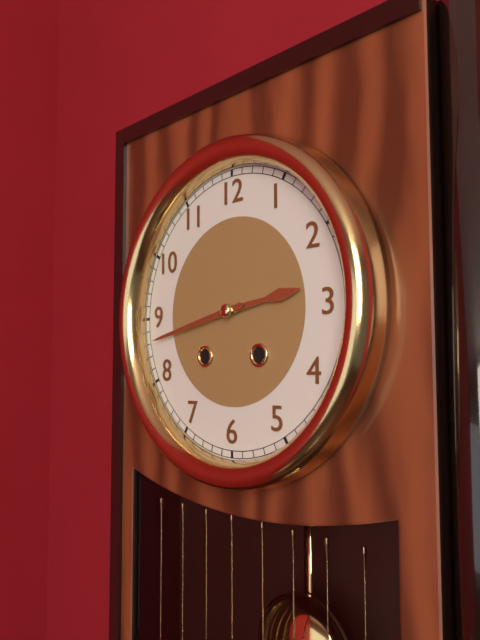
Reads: 2.43
